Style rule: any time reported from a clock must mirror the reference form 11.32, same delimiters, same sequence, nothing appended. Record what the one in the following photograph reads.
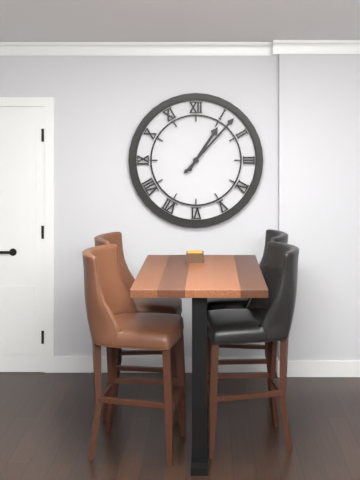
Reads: 1.07
